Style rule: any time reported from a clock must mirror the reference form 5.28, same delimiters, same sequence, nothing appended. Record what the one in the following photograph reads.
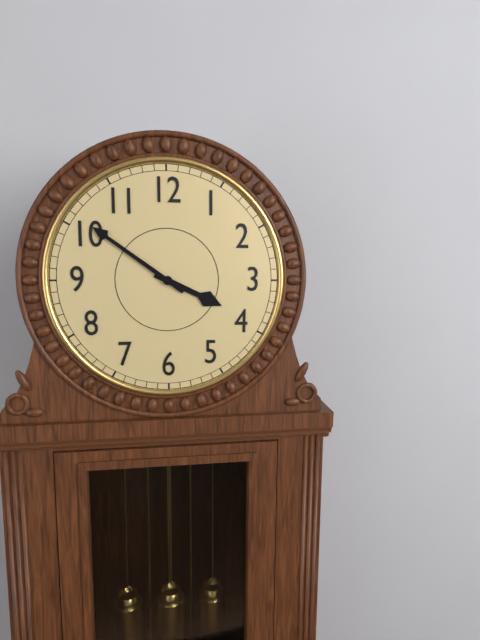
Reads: 3.51
